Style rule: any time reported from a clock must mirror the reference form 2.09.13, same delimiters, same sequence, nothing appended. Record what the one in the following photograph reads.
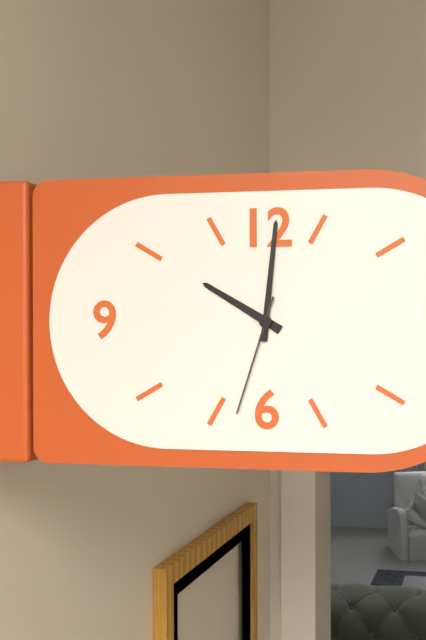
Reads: 10.01.33
